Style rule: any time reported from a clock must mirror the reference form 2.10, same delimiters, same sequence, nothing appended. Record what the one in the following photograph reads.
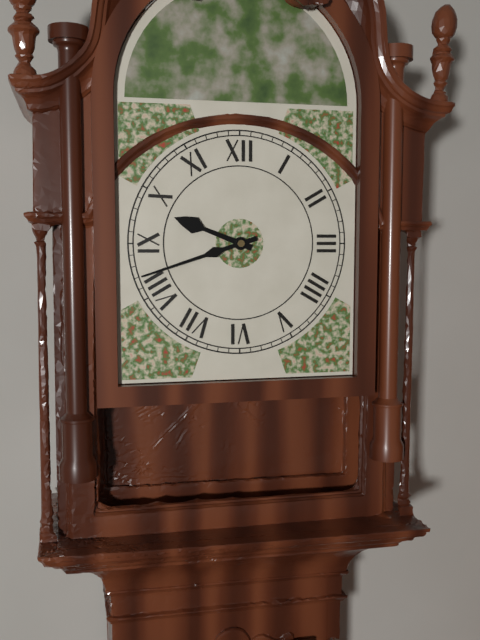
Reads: 9.42
